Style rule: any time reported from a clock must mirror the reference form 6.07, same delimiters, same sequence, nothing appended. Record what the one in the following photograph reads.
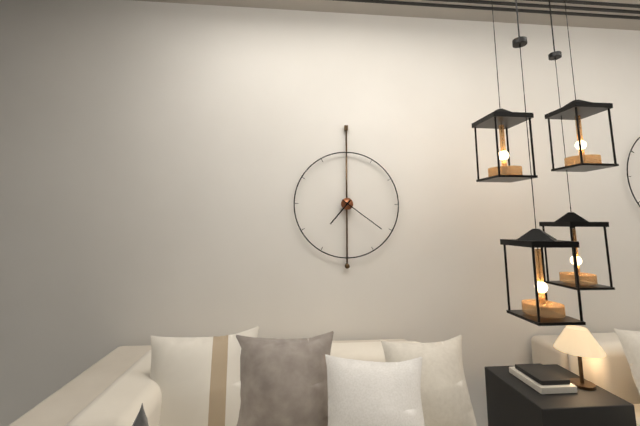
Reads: 7.21
